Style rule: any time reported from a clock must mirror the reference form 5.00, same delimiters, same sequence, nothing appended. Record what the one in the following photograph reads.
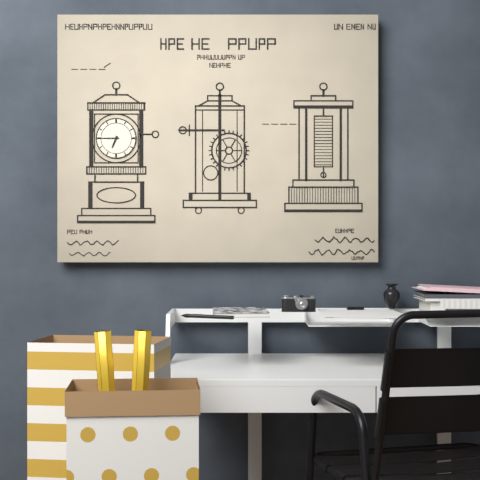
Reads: 6.45
